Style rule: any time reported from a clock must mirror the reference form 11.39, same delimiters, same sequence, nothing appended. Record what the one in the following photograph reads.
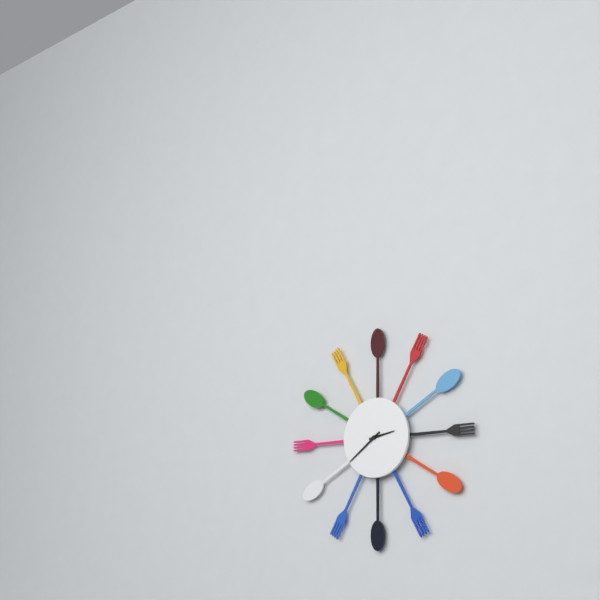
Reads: 2.39
